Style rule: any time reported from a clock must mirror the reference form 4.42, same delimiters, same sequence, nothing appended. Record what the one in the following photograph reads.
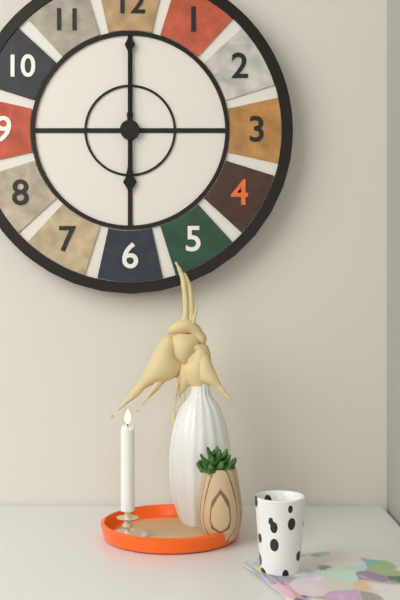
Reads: 6.00
